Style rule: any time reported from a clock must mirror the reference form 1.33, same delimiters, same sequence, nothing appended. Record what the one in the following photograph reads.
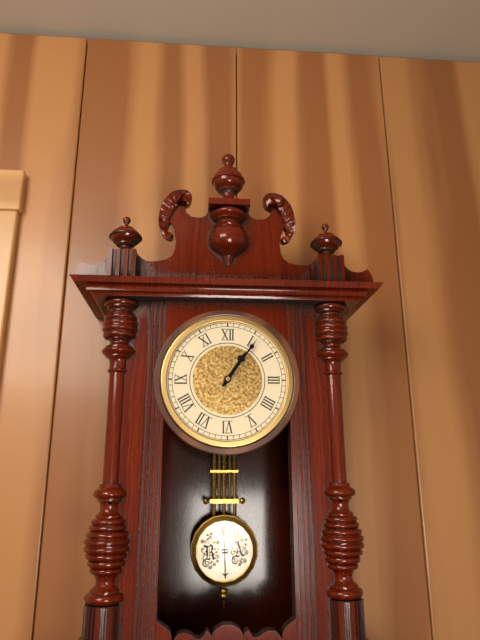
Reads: 1.06
